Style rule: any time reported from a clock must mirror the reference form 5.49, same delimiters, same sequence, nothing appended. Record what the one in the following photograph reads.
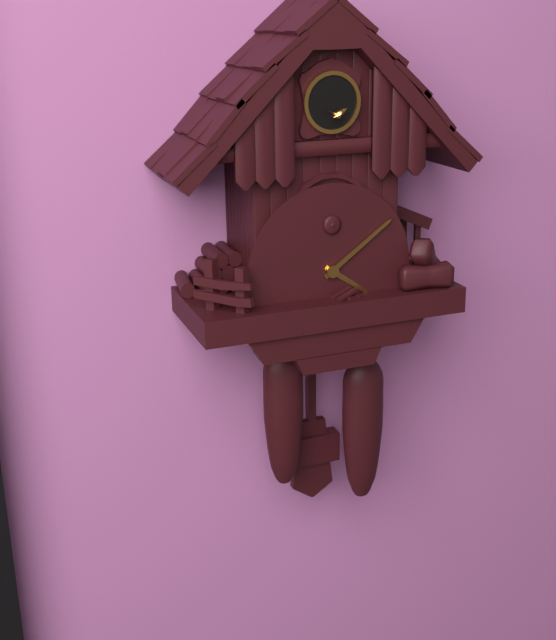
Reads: 4.09
